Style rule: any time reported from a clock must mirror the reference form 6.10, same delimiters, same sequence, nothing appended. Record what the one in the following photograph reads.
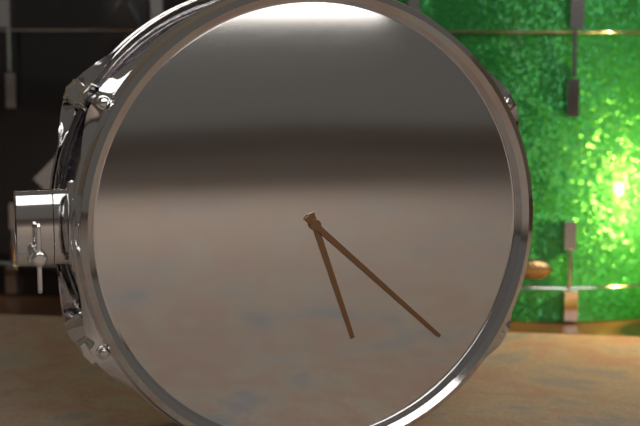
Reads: 5.22
